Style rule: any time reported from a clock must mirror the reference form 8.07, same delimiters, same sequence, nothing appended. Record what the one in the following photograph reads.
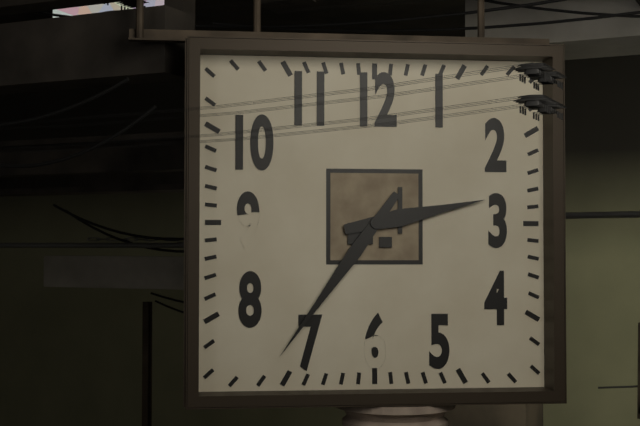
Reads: 2.36
